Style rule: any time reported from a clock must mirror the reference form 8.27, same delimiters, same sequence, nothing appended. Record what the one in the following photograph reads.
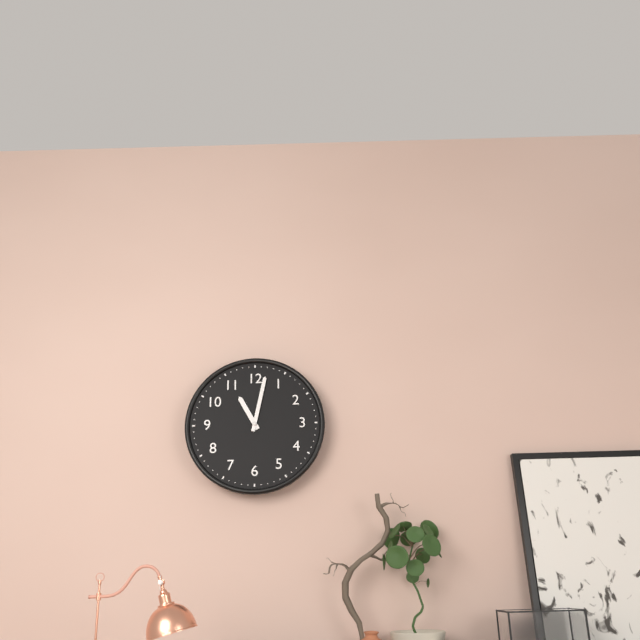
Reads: 11.02
